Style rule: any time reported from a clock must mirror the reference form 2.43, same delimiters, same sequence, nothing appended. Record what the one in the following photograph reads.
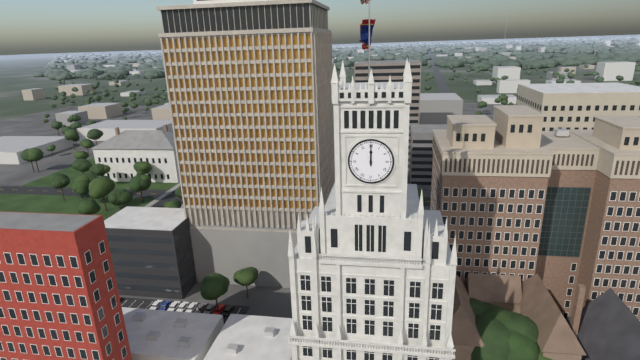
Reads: 12.00
